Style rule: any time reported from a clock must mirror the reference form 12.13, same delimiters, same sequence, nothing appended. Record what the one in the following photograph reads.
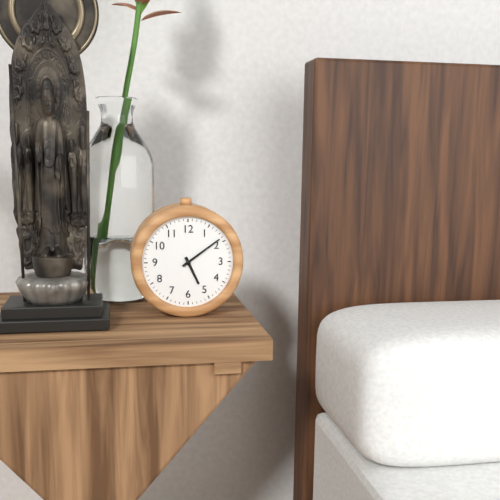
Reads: 5.09
